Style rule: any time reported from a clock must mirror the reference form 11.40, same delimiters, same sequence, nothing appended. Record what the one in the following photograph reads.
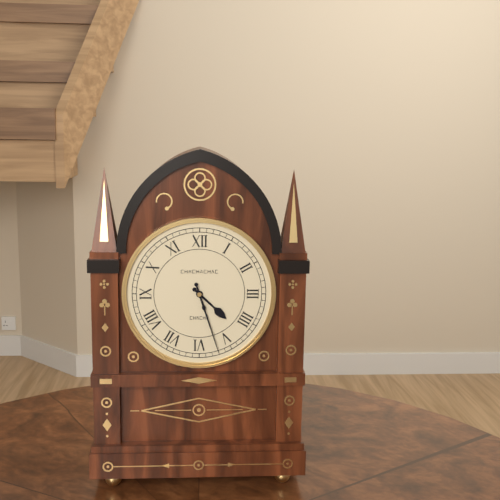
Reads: 4.27
